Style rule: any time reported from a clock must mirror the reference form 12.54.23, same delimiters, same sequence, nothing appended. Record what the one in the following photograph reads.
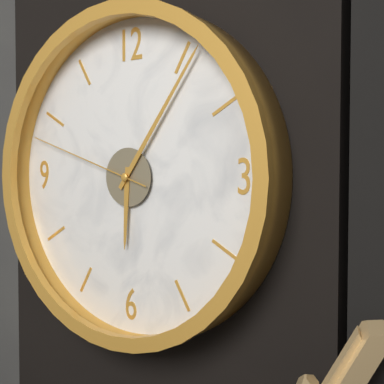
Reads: 6.06.48
